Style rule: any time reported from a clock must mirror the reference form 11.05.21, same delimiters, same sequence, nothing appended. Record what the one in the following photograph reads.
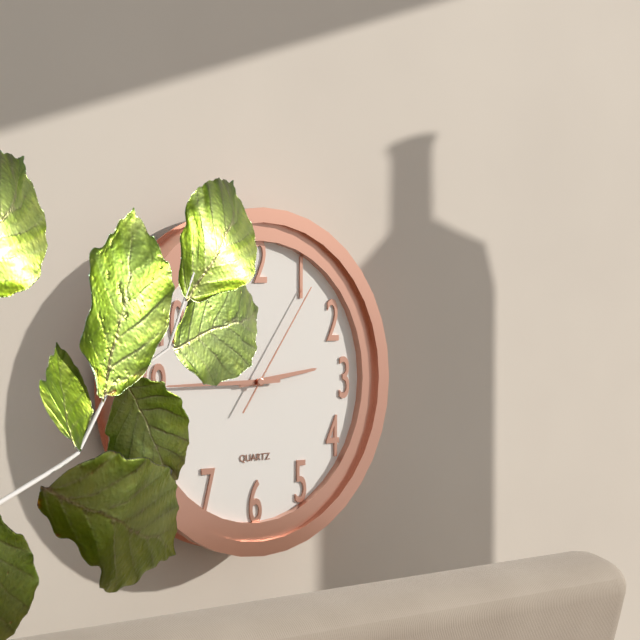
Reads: 2.45.06
